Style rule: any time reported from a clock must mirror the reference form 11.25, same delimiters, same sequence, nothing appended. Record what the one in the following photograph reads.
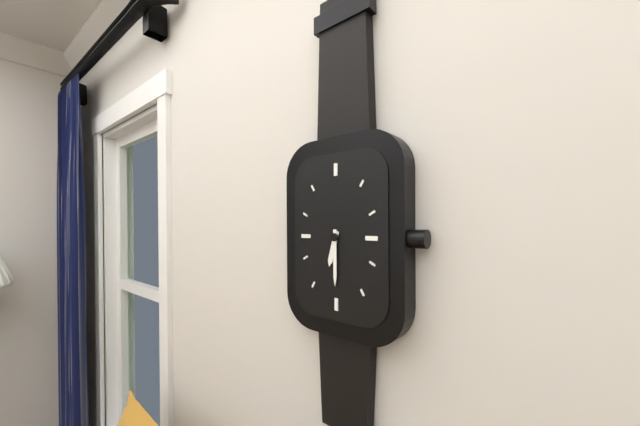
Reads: 6.30
